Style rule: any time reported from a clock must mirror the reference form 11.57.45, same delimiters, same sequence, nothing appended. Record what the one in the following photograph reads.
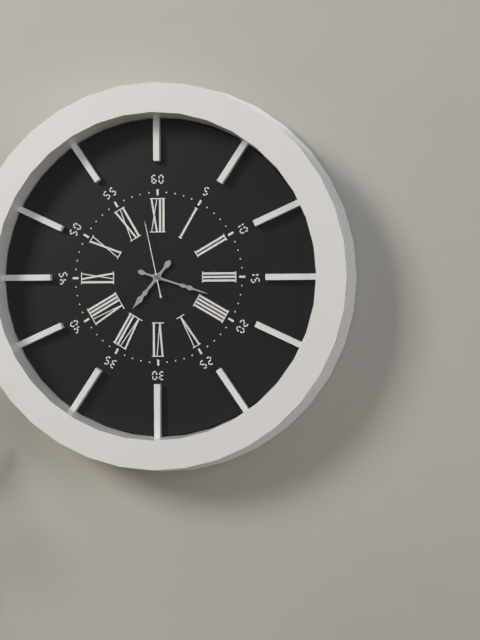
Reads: 7.18.58
